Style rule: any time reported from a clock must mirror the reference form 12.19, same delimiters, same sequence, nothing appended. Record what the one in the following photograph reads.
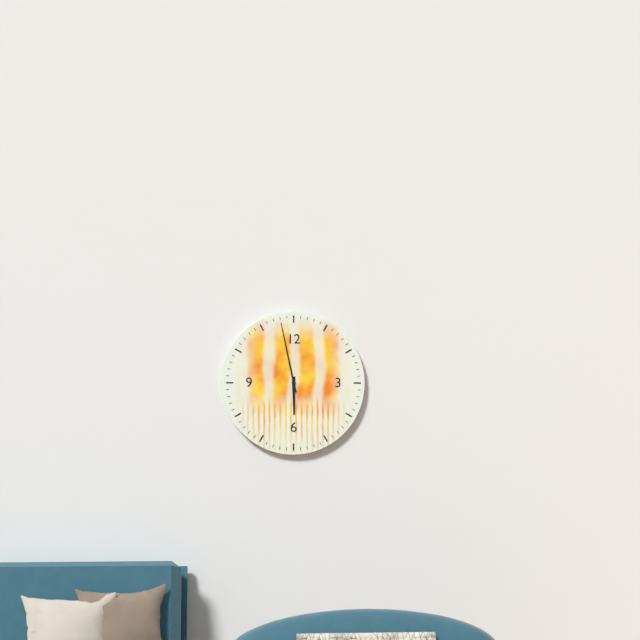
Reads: 5.58
